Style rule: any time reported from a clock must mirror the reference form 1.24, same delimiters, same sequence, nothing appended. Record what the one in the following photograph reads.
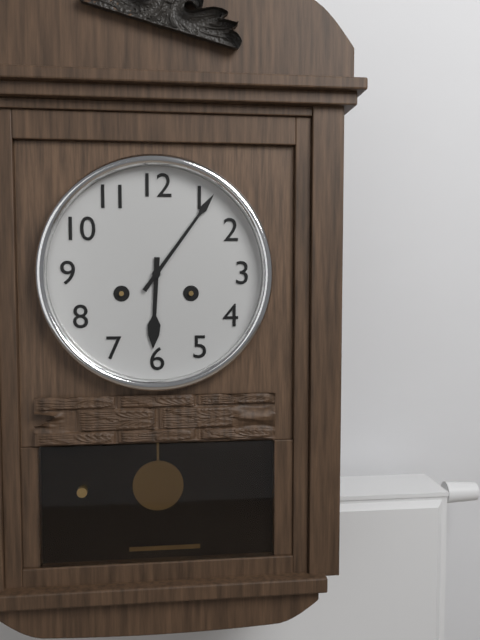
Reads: 6.06
